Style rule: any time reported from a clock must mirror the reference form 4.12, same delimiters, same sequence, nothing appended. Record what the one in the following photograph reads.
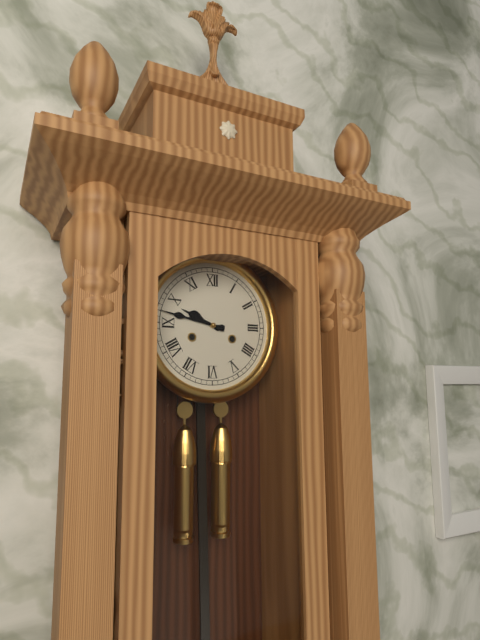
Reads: 9.47
